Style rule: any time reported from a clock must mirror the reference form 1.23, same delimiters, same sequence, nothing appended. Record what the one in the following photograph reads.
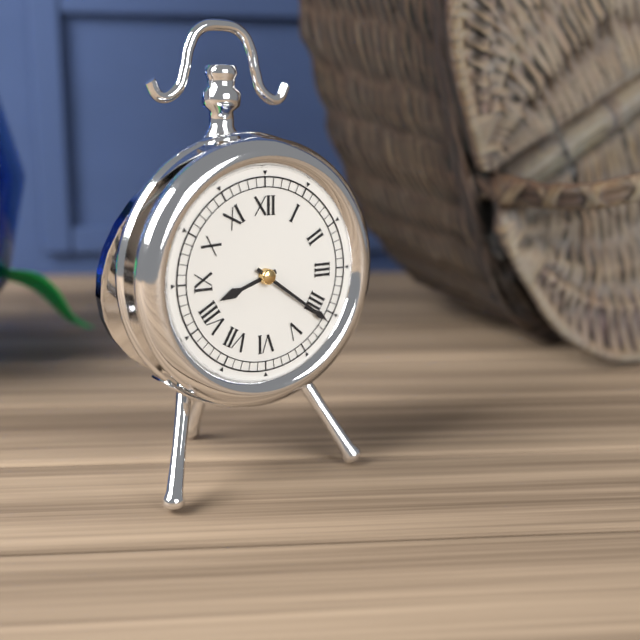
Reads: 8.21
